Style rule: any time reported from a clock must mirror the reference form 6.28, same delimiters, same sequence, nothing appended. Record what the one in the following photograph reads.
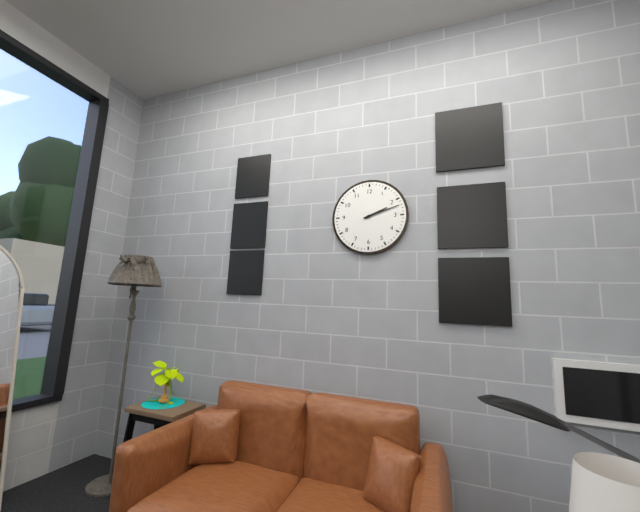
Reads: 2.12
